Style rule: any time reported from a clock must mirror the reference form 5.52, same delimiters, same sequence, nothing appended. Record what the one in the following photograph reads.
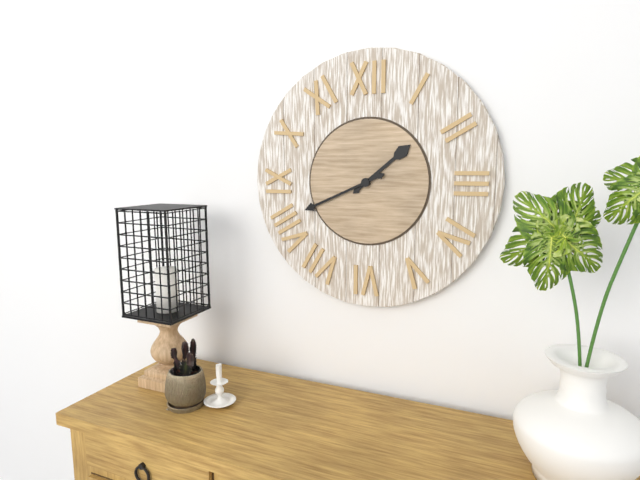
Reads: 1.41
